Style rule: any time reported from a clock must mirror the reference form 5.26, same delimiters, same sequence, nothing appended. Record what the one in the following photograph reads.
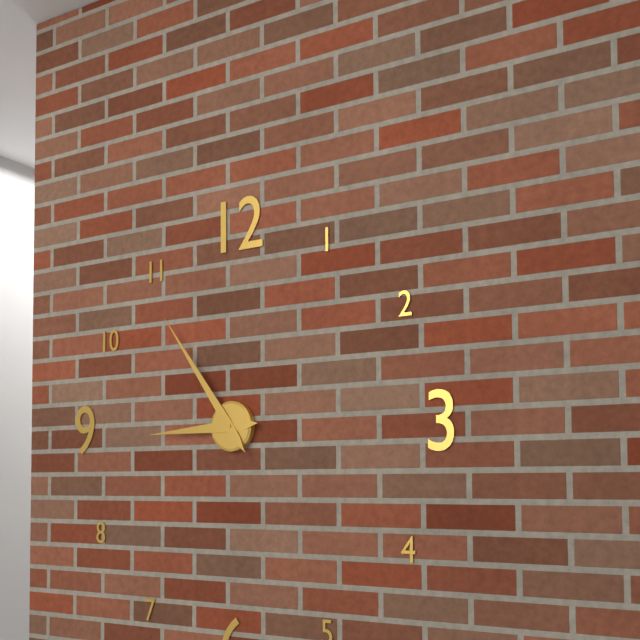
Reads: 8.54
